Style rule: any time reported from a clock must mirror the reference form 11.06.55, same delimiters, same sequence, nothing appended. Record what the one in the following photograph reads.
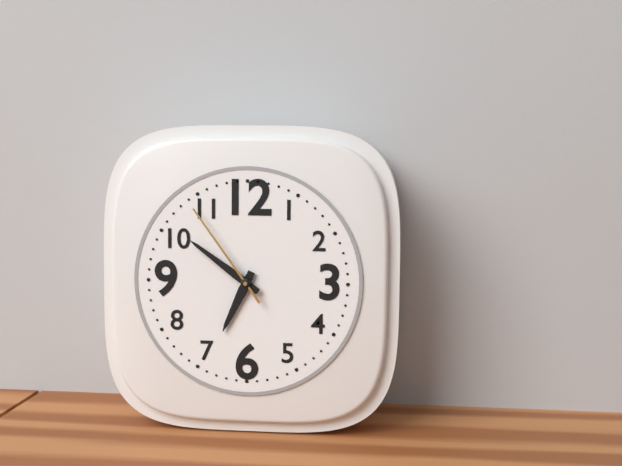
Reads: 6.51.54
